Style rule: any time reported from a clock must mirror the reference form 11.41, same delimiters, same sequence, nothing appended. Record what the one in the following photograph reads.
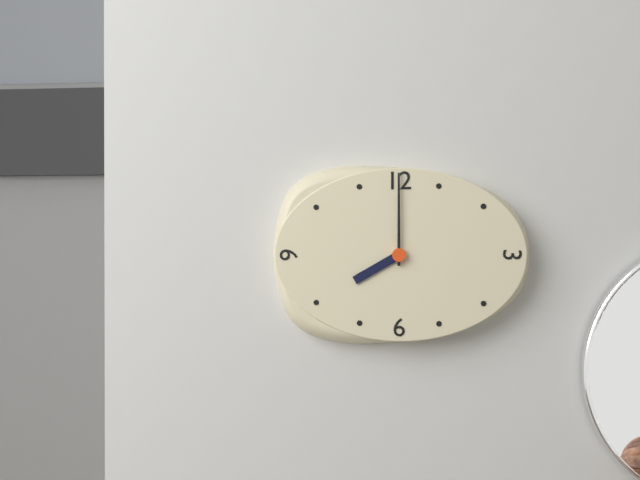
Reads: 8.00
